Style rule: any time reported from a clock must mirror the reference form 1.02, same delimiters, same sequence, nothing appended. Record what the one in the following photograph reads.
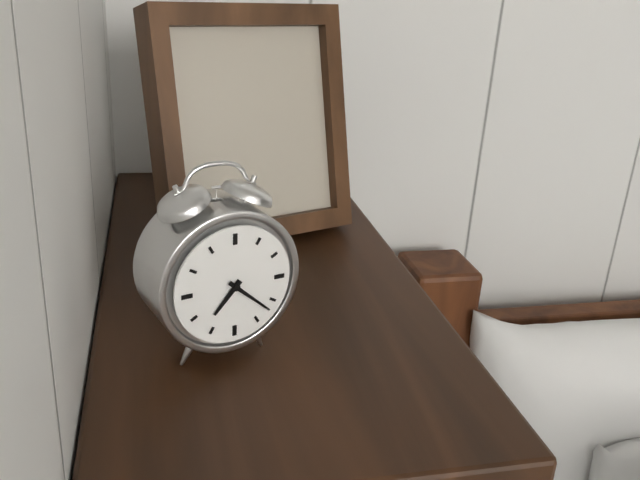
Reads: 7.22
